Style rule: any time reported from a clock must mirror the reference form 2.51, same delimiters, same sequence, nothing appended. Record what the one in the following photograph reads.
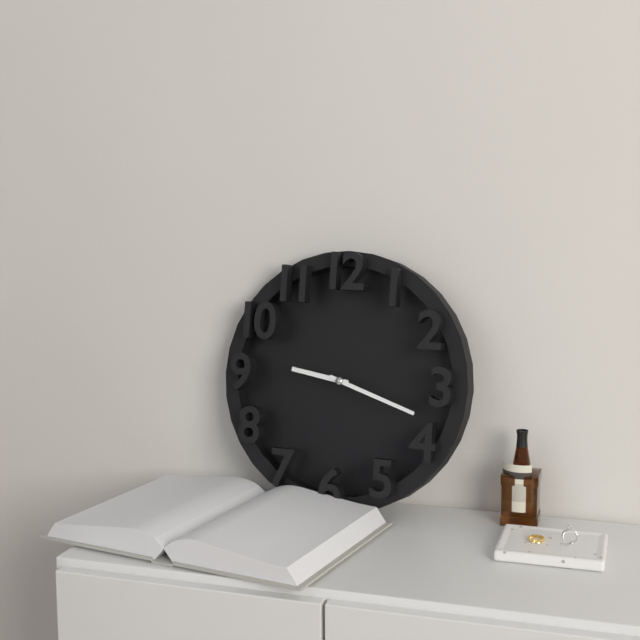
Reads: 9.18
